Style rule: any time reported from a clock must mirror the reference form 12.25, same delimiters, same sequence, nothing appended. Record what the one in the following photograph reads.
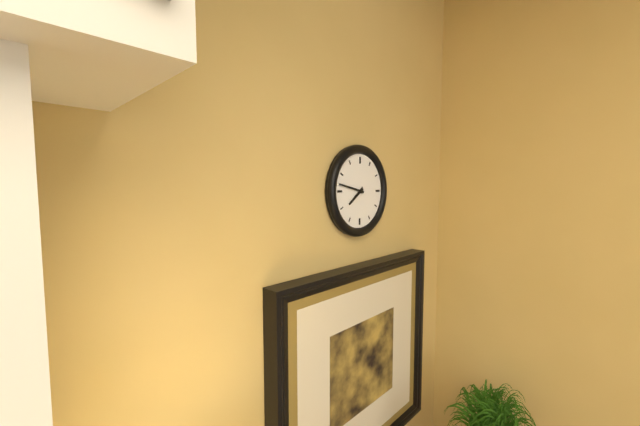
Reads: 7.47
